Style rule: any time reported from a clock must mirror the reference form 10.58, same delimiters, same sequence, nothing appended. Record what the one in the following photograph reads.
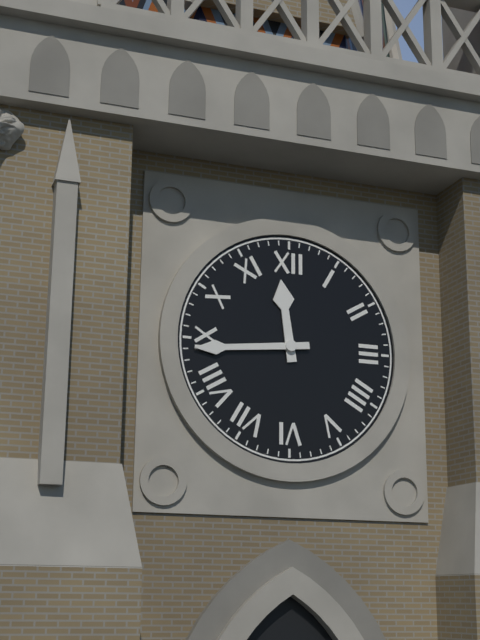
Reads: 11.44
